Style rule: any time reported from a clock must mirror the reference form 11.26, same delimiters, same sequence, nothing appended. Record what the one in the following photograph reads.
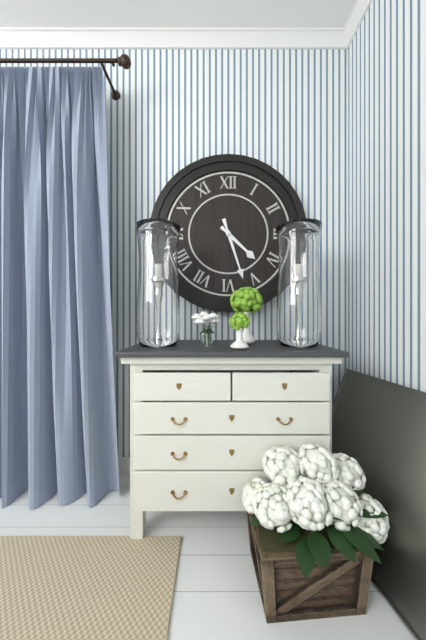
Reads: 4.27
